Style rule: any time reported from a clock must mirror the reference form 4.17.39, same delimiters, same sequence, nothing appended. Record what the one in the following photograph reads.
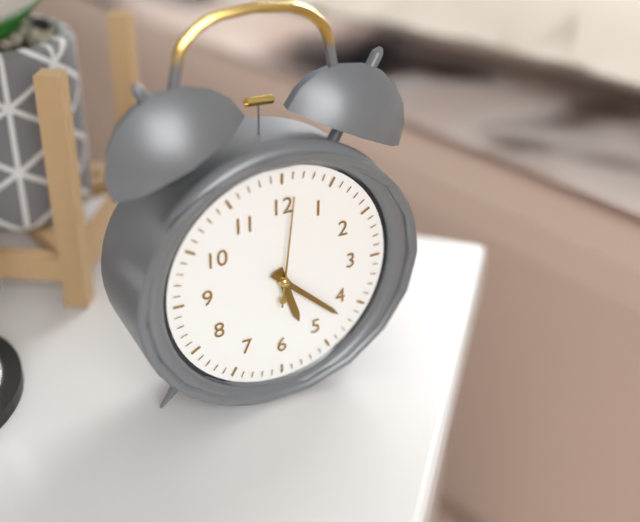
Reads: 5.22.01
